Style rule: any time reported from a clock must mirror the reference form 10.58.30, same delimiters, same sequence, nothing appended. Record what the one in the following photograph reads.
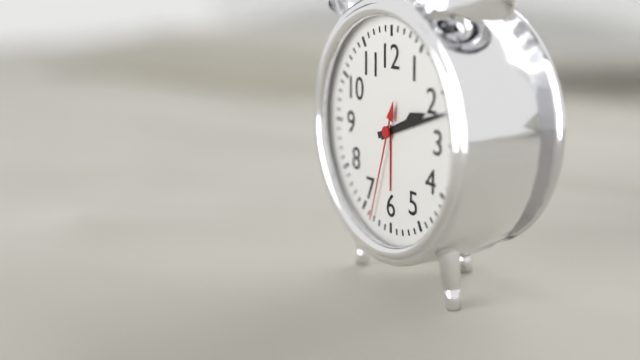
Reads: 2.12.33
